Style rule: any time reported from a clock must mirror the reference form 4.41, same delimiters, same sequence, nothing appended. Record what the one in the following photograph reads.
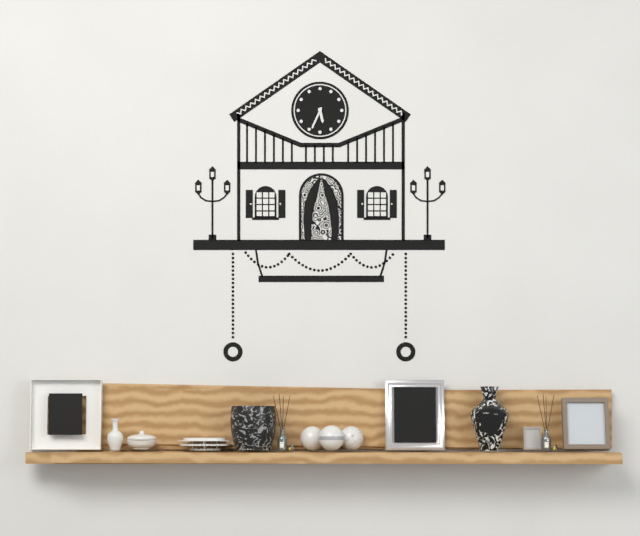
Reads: 5.34
